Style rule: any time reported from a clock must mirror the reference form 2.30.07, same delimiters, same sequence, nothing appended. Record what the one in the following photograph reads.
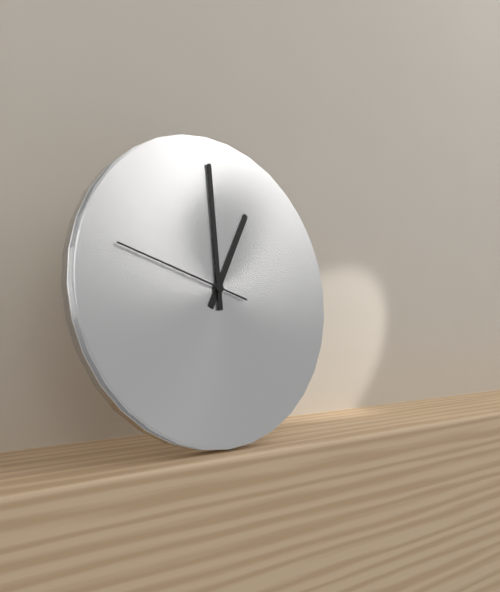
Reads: 1.00.48
